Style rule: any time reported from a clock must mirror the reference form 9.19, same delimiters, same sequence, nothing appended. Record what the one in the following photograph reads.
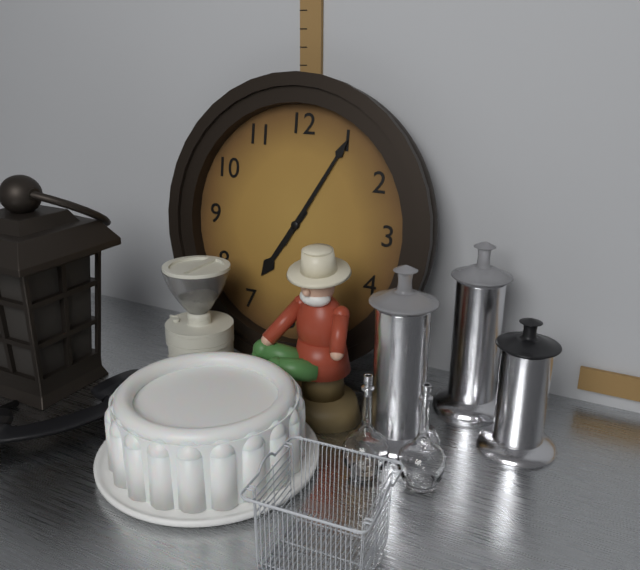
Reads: 7.05
